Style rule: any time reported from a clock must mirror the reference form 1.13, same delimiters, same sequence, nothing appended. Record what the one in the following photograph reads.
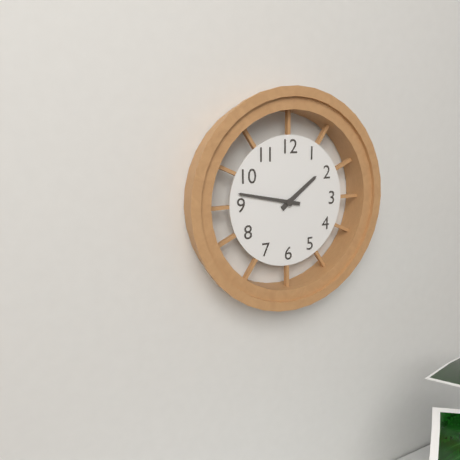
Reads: 1.47
